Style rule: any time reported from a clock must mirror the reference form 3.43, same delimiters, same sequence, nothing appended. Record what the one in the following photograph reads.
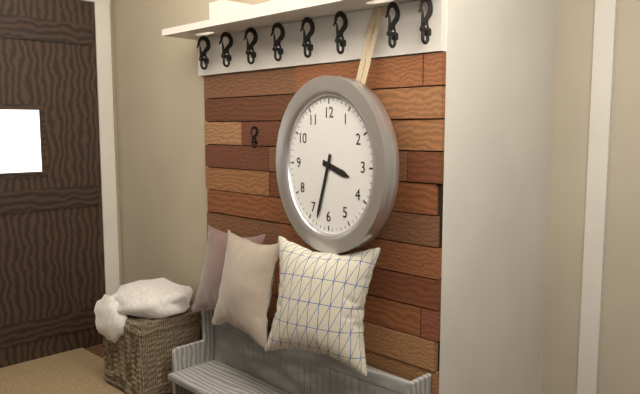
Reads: 3.33
